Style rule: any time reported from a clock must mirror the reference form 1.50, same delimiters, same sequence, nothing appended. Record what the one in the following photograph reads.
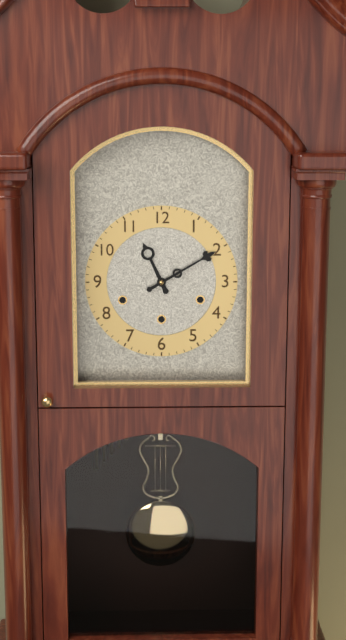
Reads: 11.10
